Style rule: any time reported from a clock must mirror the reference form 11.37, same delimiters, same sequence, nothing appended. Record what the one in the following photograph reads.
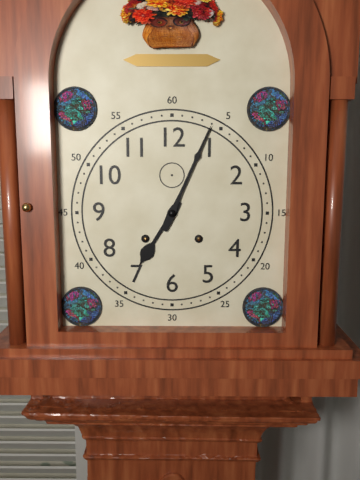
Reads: 7.04
